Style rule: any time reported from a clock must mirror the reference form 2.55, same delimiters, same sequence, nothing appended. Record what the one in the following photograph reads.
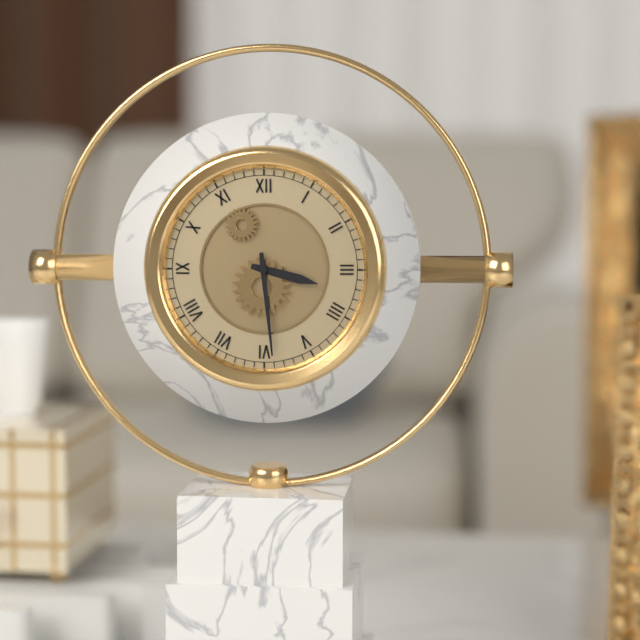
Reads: 3.29
